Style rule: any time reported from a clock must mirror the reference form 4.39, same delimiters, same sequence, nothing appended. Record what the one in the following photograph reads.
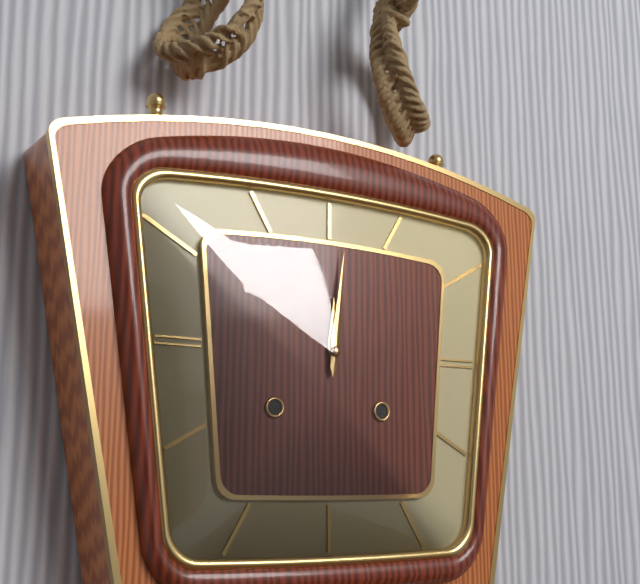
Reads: 12.01
